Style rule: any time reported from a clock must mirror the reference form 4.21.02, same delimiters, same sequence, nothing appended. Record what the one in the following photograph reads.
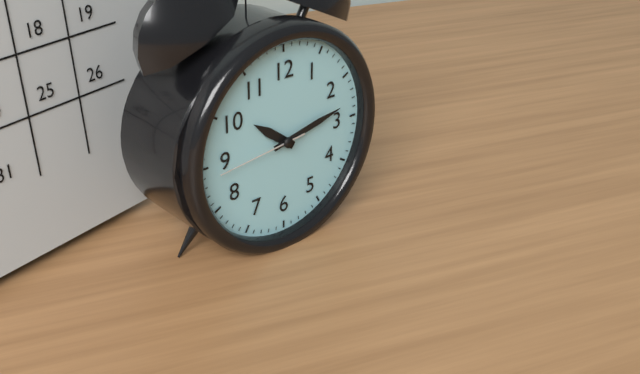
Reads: 10.13.44
